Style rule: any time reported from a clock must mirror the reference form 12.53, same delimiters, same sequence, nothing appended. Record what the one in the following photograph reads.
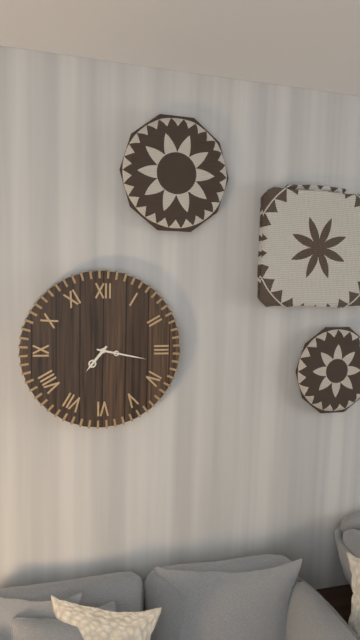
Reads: 7.17
